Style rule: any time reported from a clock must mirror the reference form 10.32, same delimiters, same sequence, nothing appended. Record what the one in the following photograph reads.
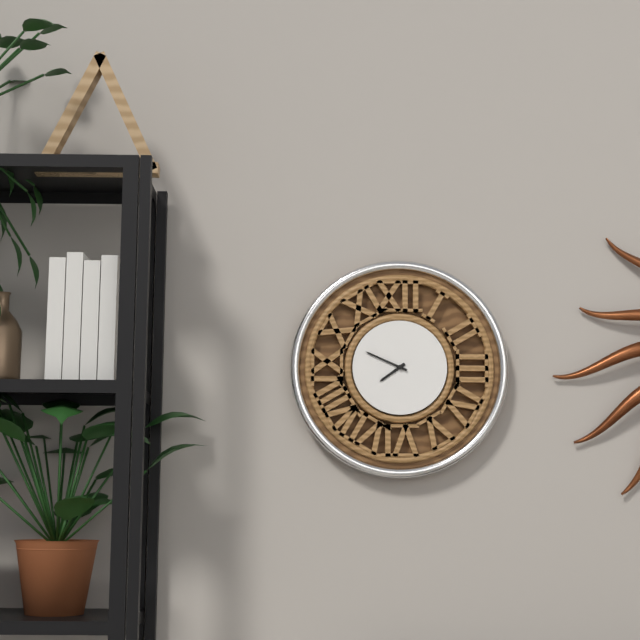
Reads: 7.49
